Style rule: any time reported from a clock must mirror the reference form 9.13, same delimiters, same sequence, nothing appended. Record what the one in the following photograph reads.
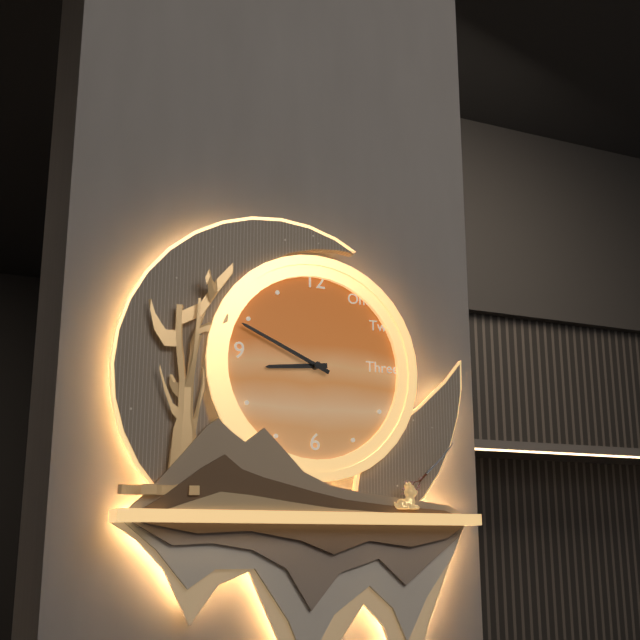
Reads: 8.49
